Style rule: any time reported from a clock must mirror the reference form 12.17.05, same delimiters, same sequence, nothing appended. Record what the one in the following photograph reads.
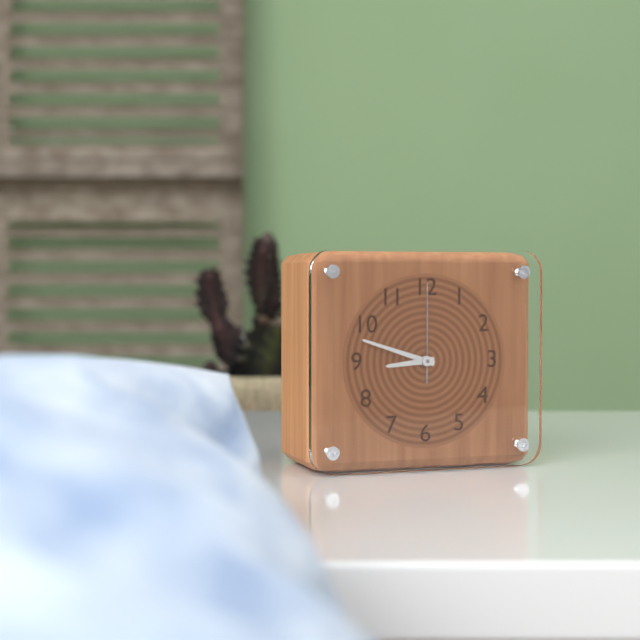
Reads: 8.48.00
